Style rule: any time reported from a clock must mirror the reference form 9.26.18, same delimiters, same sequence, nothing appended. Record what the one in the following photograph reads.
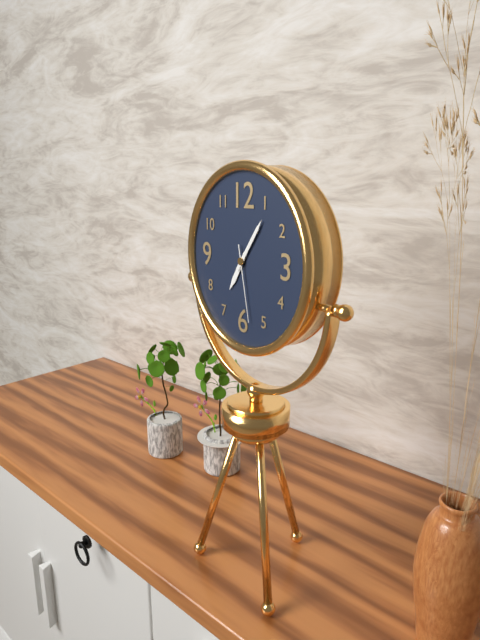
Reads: 7.06.28
